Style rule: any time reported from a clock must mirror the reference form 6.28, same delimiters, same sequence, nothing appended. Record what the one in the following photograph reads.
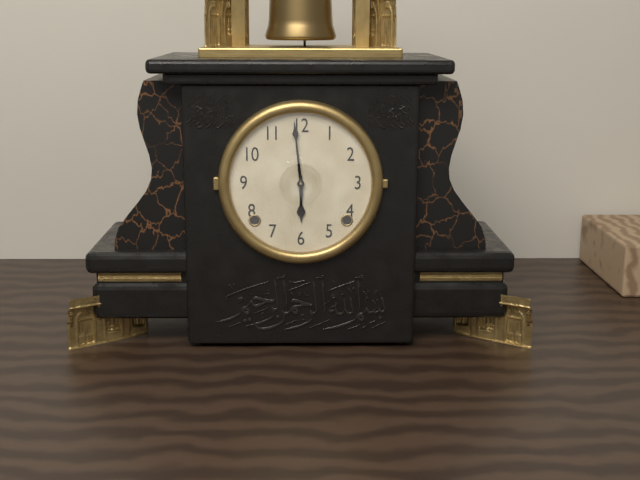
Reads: 5.59
